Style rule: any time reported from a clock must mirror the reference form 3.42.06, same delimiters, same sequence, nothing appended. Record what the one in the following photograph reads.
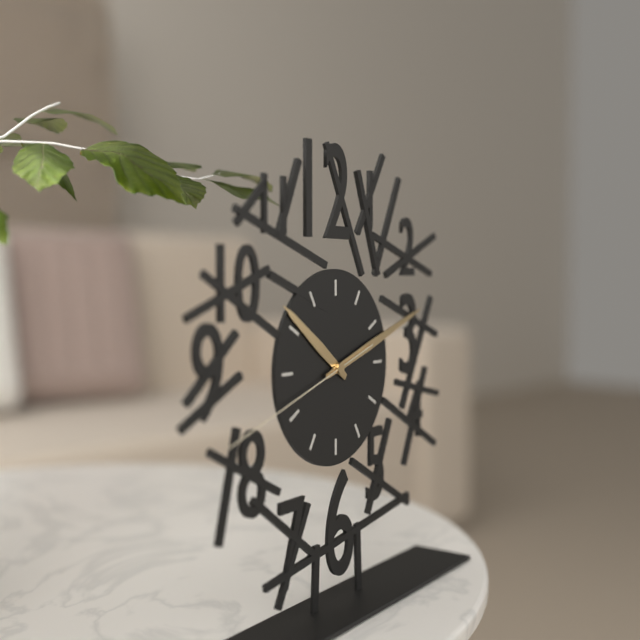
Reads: 10.12.42
